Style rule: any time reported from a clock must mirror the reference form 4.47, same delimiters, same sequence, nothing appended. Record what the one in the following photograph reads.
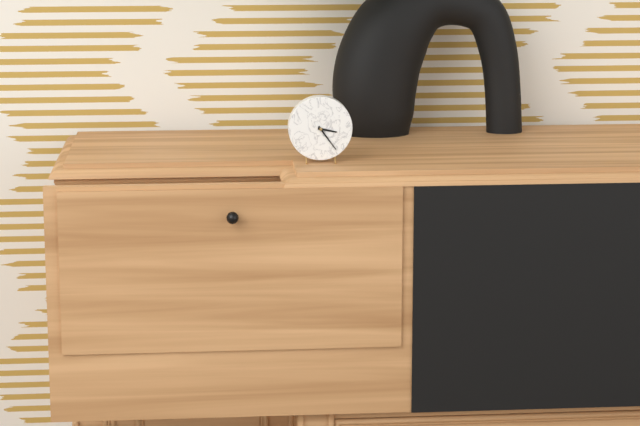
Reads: 3.24
